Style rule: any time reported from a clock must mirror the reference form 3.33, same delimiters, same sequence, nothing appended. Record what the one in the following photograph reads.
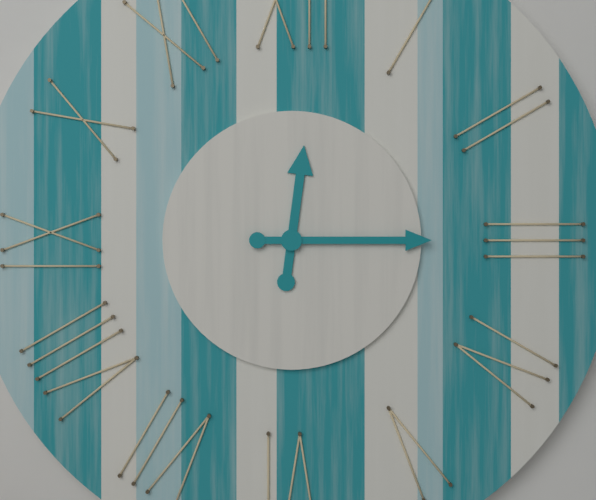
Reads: 12.15
